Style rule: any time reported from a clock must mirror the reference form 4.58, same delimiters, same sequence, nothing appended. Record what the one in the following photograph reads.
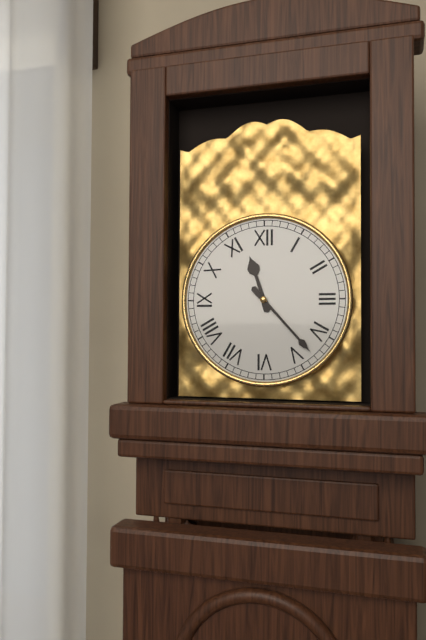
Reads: 11.23
